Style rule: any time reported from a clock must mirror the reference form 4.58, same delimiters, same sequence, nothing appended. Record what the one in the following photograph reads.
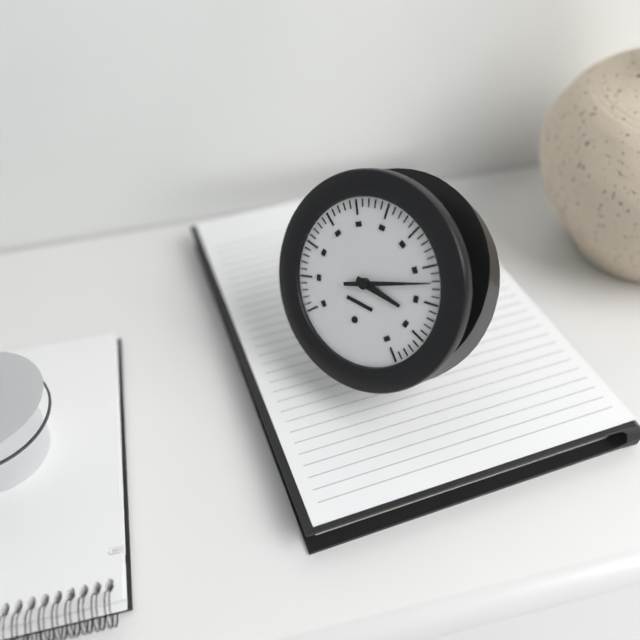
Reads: 3.11
